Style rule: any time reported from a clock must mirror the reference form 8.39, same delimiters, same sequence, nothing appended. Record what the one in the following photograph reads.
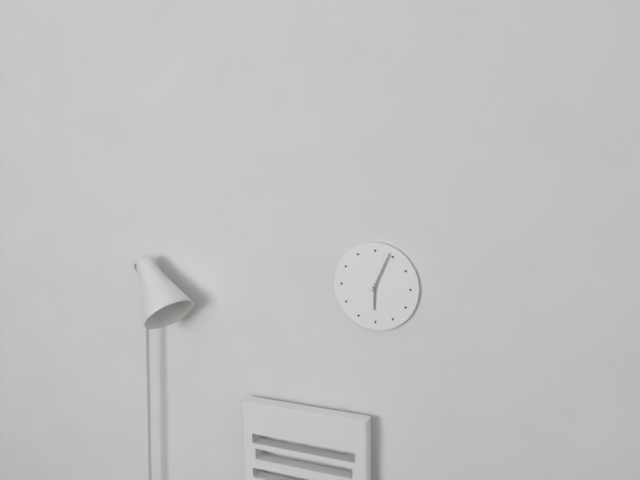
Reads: 6.04
